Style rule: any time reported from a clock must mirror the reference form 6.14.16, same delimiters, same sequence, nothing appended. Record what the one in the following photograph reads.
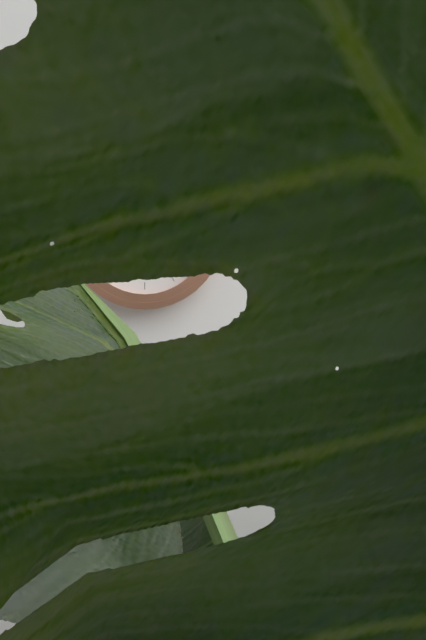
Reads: 4.08.00
